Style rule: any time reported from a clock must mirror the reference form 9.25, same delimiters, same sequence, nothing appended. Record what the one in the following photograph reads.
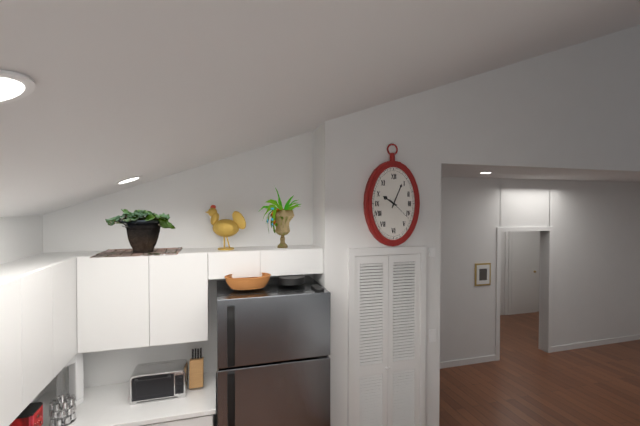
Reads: 10.04
